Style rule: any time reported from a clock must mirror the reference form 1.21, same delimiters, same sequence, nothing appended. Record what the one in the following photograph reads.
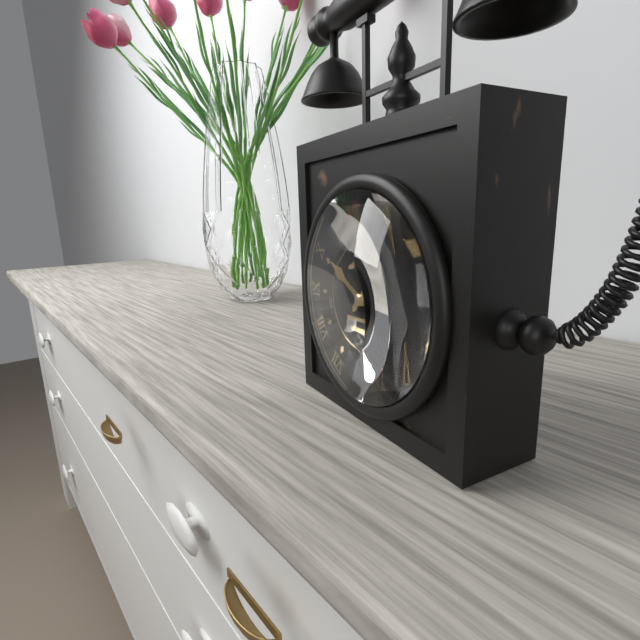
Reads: 10.06
